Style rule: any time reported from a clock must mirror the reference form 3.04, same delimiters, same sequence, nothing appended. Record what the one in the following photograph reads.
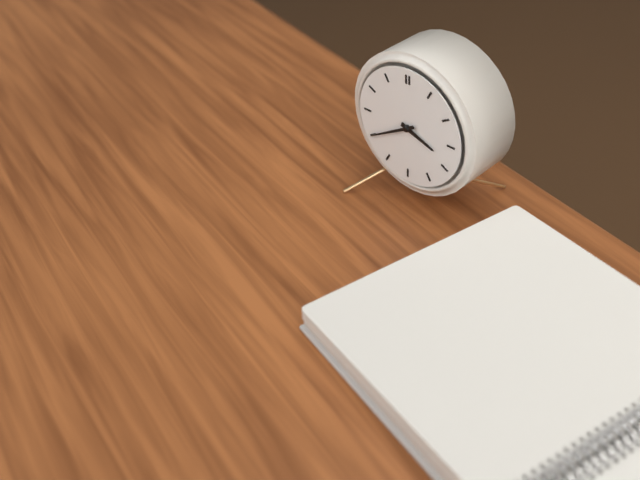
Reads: 3.40
